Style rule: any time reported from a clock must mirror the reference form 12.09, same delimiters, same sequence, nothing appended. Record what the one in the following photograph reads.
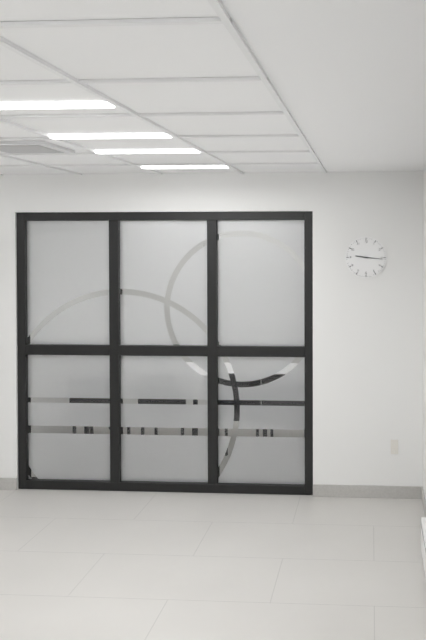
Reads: 9.16
